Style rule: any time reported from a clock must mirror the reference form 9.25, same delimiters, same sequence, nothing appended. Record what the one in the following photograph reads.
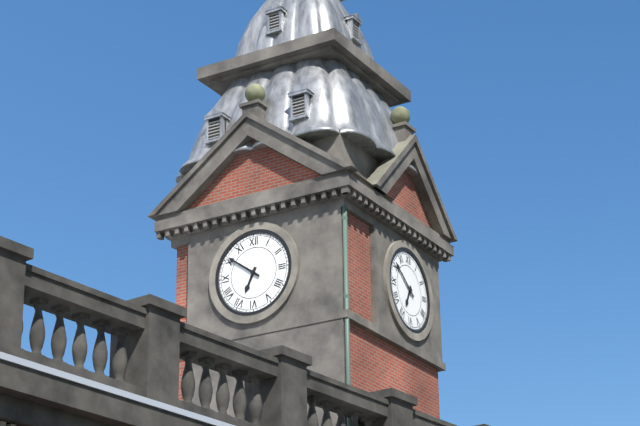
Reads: 6.51
